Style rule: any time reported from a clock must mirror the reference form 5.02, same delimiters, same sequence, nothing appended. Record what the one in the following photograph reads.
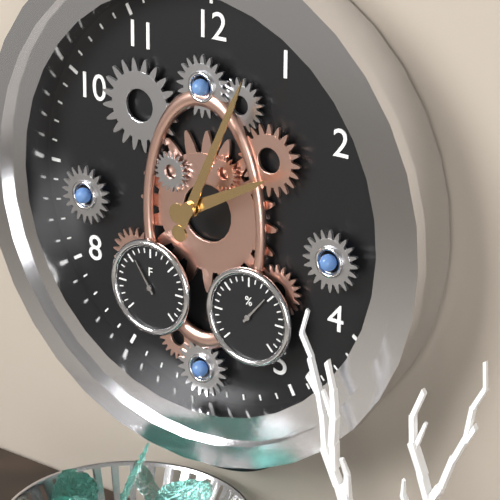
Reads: 2.04
